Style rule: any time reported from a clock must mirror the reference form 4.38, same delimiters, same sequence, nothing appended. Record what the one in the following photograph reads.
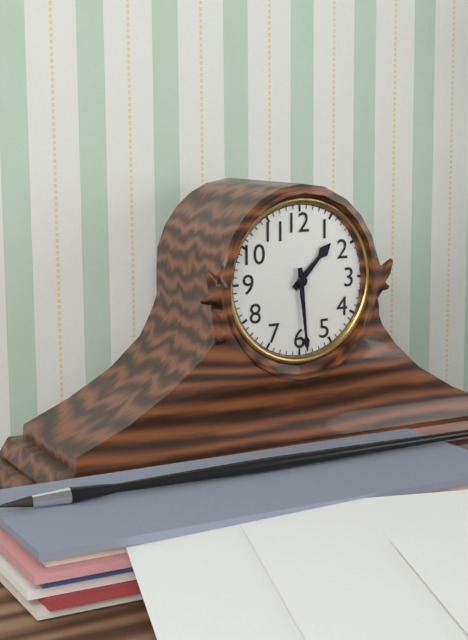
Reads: 1.29
